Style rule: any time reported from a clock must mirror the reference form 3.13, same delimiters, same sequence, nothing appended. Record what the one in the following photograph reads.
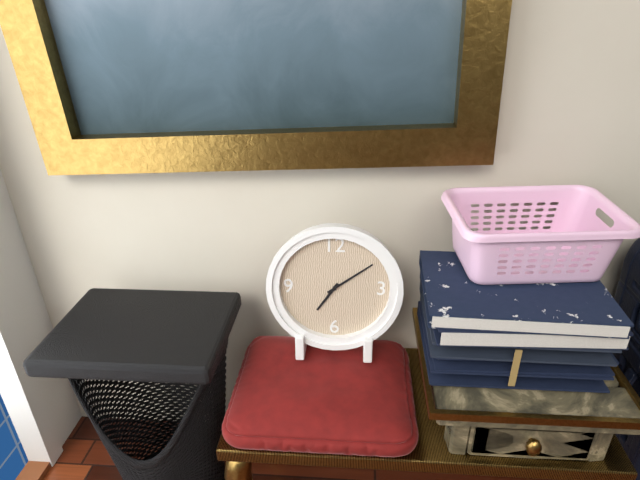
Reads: 7.09
